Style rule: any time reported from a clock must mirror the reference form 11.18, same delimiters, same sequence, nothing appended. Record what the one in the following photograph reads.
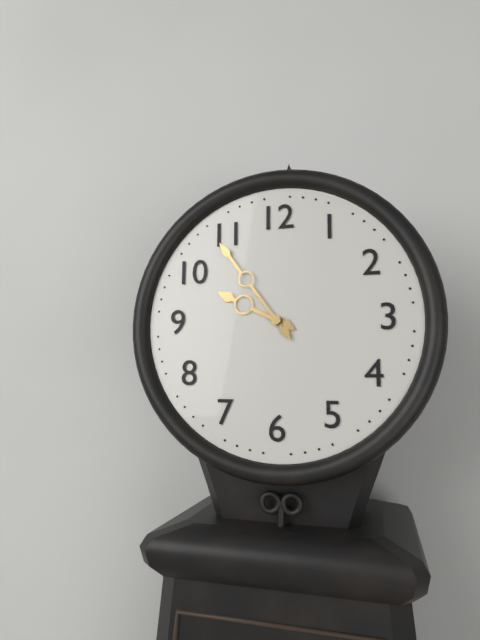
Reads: 9.54
